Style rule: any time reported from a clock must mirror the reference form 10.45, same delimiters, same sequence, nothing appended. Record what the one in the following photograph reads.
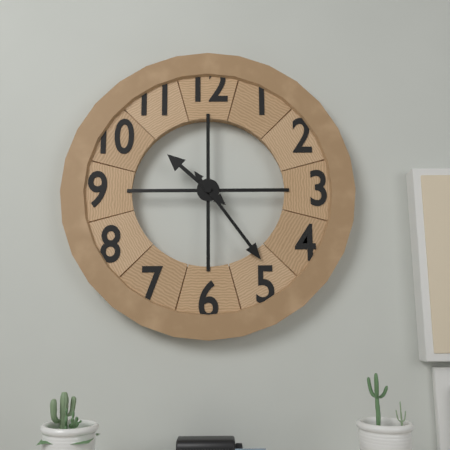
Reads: 10.24
